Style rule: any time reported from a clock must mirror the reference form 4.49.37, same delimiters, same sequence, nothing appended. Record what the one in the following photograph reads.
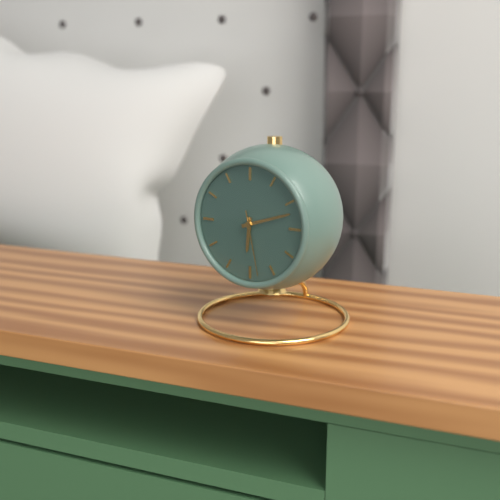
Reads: 6.12.28
